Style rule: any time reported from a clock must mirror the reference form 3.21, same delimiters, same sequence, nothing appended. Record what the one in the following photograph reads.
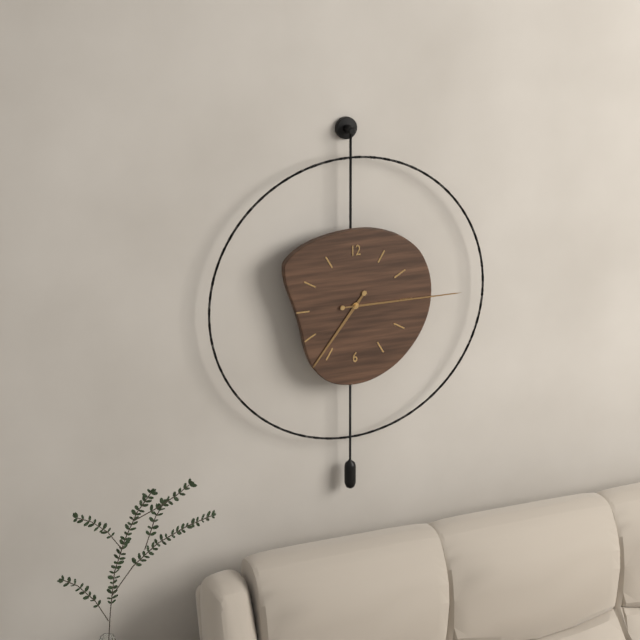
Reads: 7.15
